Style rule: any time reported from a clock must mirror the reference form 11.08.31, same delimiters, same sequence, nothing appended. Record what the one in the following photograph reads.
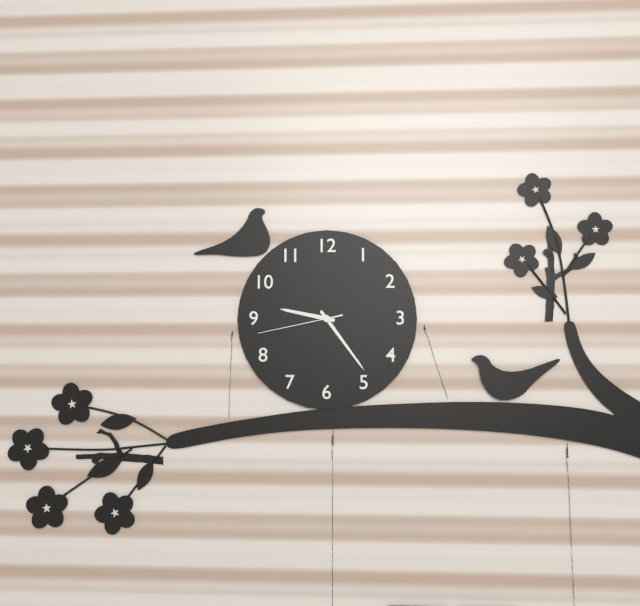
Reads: 9.24.43
